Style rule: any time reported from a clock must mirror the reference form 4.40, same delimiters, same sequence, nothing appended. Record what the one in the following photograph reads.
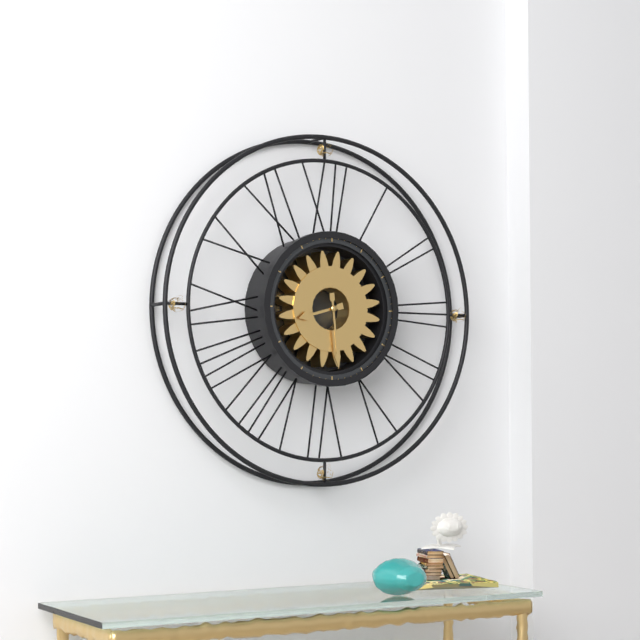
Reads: 8.29
